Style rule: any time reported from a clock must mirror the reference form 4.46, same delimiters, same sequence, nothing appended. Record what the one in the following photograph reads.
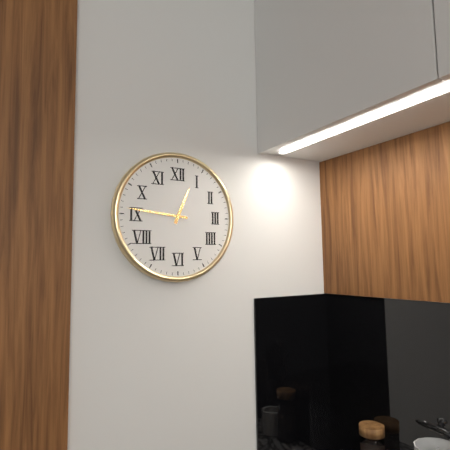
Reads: 12.46
